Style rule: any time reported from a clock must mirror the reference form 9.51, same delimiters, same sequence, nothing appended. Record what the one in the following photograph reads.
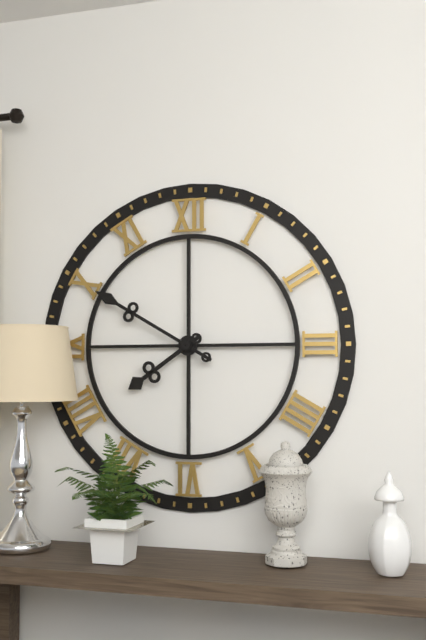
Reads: 7.50
